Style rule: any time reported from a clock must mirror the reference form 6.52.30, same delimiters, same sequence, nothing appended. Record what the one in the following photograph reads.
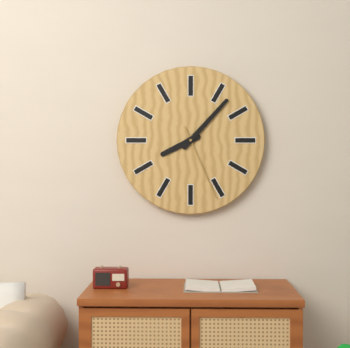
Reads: 8.07.26
